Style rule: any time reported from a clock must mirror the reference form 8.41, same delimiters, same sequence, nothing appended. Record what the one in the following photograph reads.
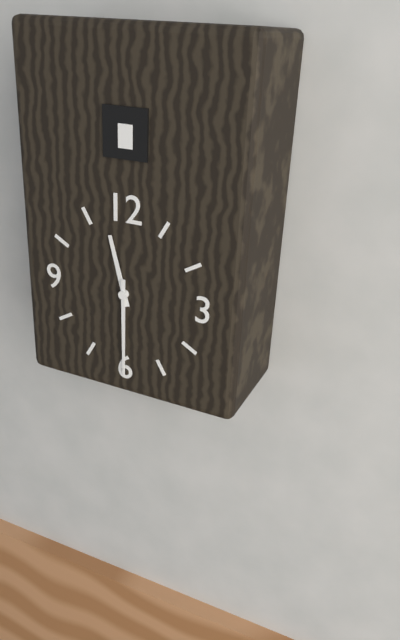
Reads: 11.30
